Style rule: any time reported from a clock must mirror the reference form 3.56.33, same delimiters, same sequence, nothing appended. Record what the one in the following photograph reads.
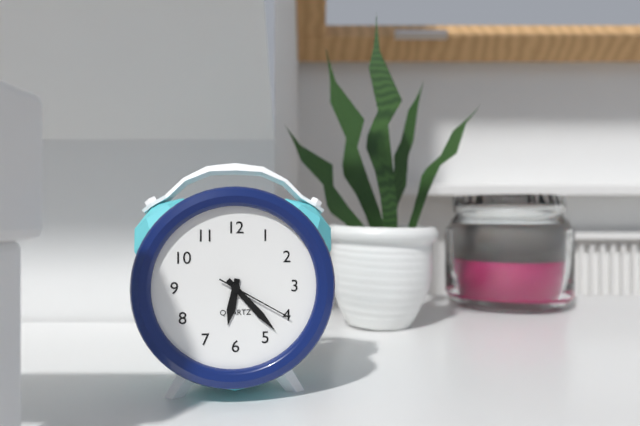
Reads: 6.23.20
